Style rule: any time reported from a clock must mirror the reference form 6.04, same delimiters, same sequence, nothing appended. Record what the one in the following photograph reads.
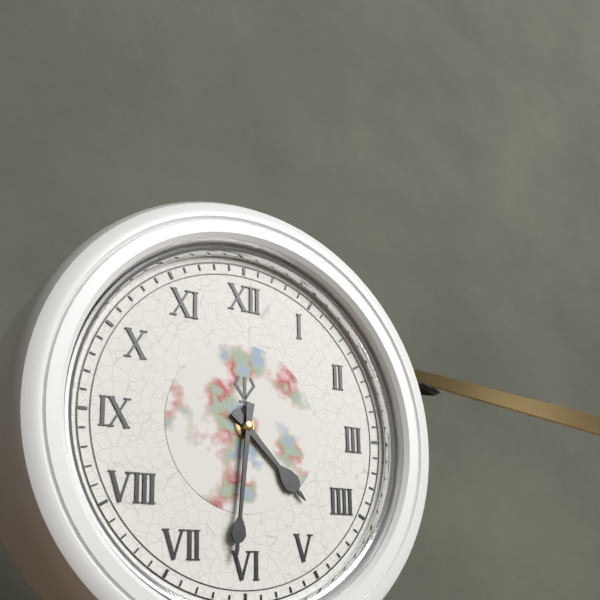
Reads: 4.31
